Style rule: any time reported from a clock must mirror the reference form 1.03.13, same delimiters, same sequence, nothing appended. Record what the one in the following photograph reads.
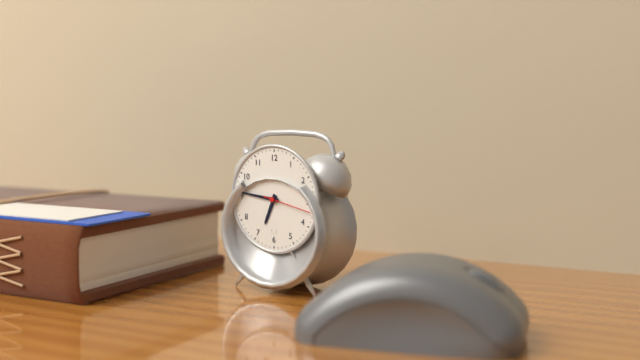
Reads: 6.46.17
